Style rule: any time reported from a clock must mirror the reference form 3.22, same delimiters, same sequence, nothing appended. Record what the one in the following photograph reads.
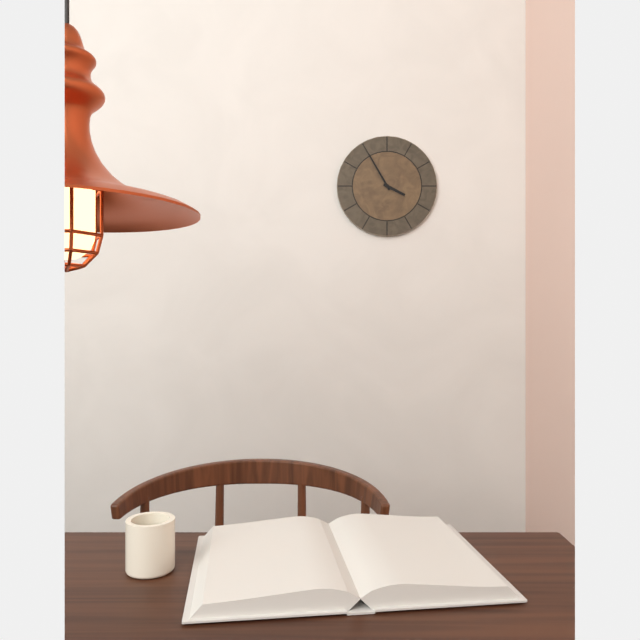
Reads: 3.55
